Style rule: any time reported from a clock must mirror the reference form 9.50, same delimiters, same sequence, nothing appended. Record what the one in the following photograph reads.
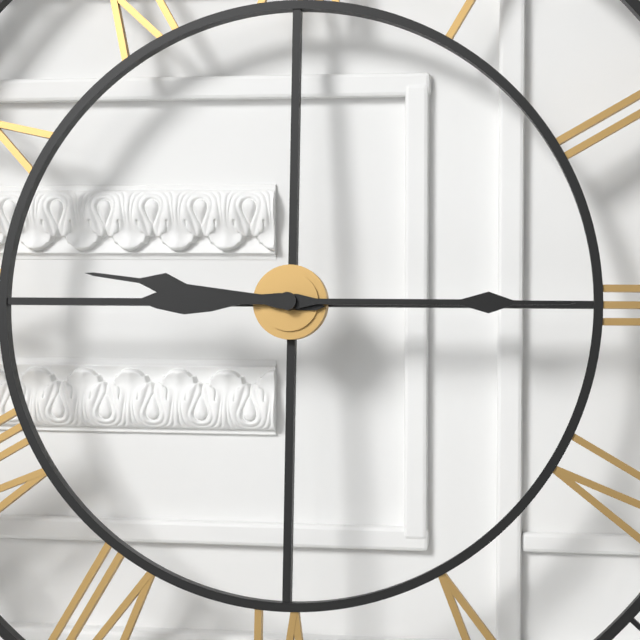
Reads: 9.15
